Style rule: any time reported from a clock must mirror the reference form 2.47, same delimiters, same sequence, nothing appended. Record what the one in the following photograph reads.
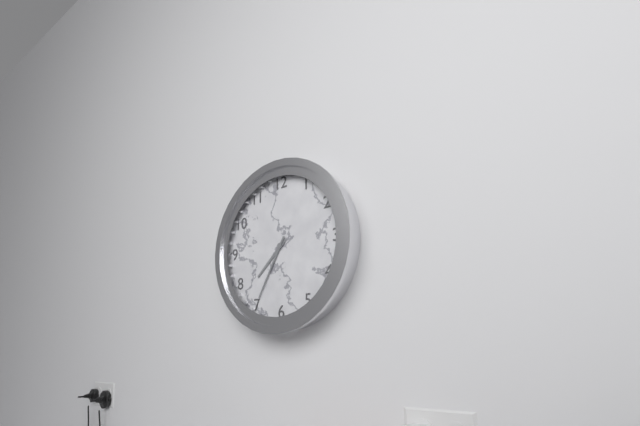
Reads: 7.35
